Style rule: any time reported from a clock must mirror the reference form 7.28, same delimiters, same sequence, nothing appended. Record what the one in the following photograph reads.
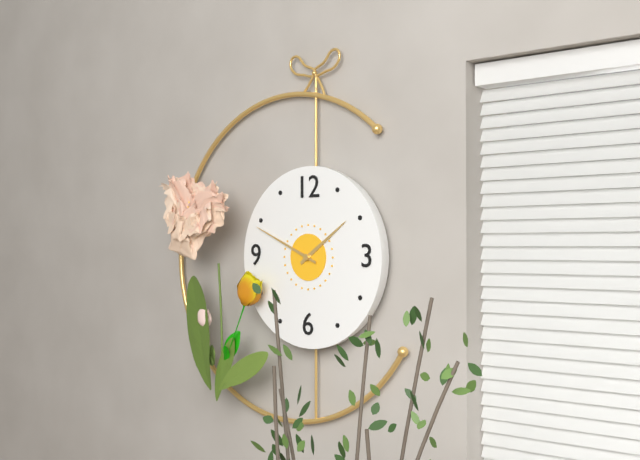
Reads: 1.49
